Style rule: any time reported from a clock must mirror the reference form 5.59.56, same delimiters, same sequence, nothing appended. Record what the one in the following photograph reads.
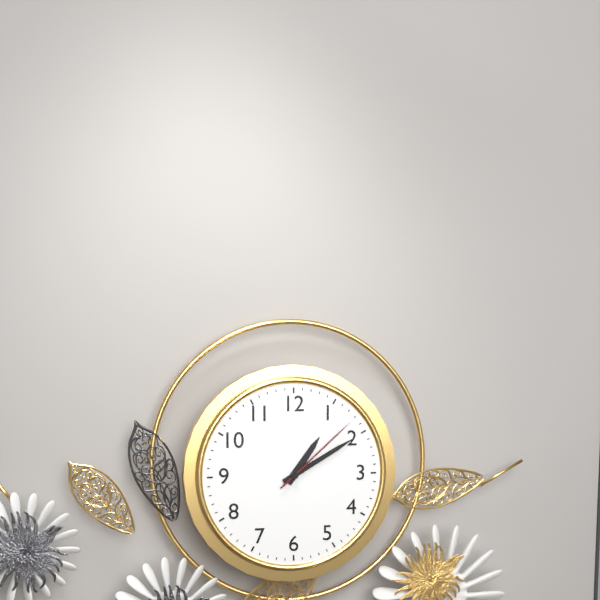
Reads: 1.10.08
